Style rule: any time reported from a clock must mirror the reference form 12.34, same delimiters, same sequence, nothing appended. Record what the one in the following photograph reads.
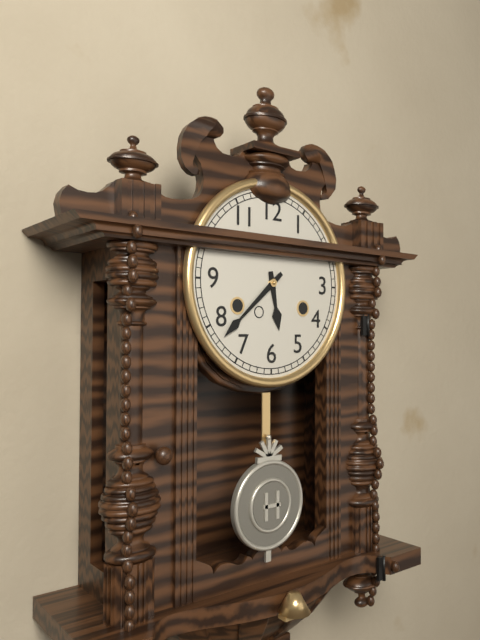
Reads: 5.38
